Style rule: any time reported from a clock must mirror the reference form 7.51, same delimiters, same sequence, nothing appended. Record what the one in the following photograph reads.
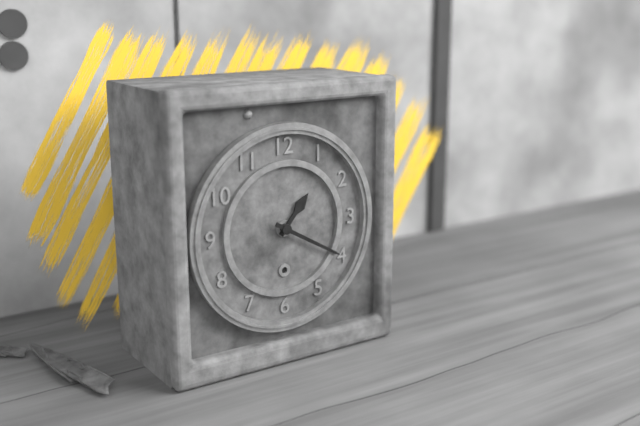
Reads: 1.20
